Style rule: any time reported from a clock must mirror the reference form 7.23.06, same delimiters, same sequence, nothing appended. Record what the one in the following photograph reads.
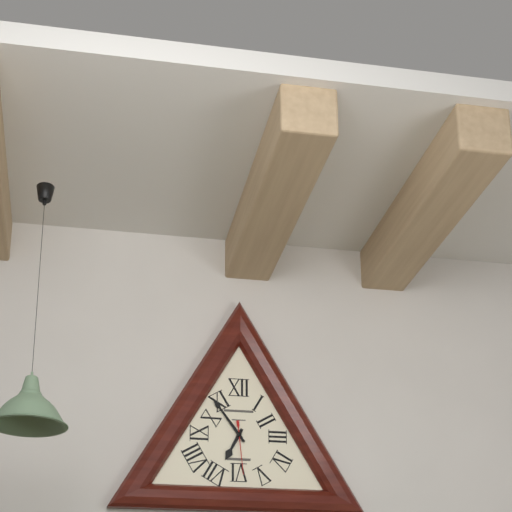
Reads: 6.54.29
